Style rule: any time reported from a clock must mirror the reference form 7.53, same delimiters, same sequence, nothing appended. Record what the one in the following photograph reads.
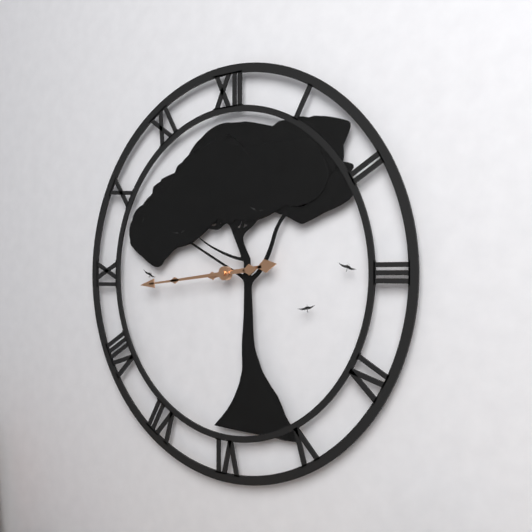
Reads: 2.44
